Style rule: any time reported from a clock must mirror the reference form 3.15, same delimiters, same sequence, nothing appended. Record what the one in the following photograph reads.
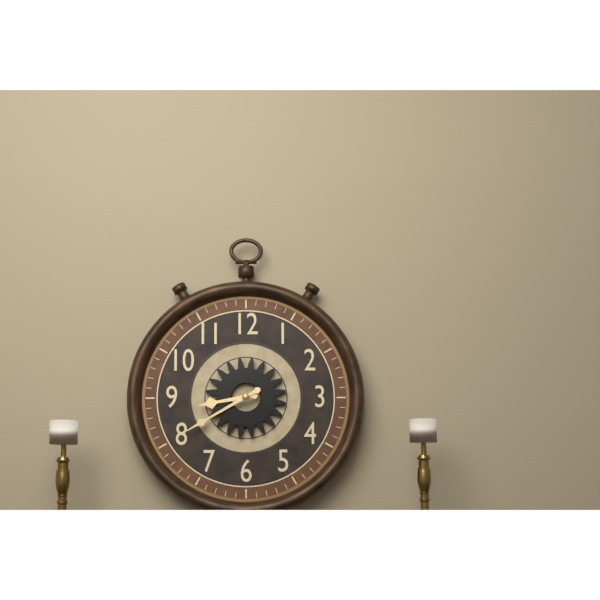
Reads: 8.40
